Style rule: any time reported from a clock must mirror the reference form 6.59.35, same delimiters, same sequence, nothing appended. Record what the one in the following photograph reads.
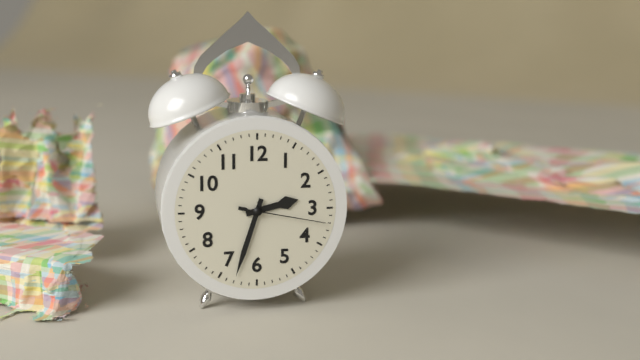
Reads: 2.33.17
